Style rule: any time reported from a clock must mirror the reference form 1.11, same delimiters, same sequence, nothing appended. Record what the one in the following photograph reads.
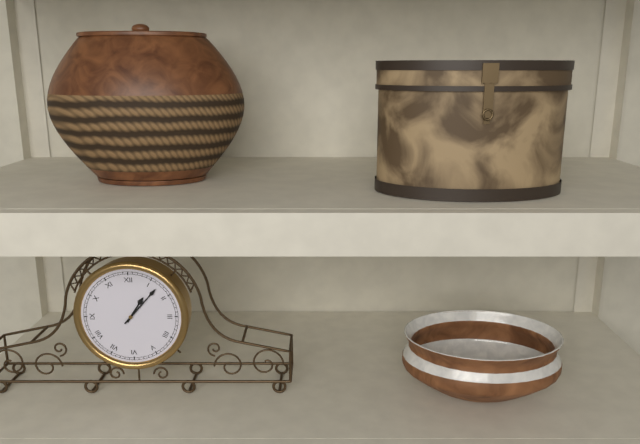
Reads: 1.07
